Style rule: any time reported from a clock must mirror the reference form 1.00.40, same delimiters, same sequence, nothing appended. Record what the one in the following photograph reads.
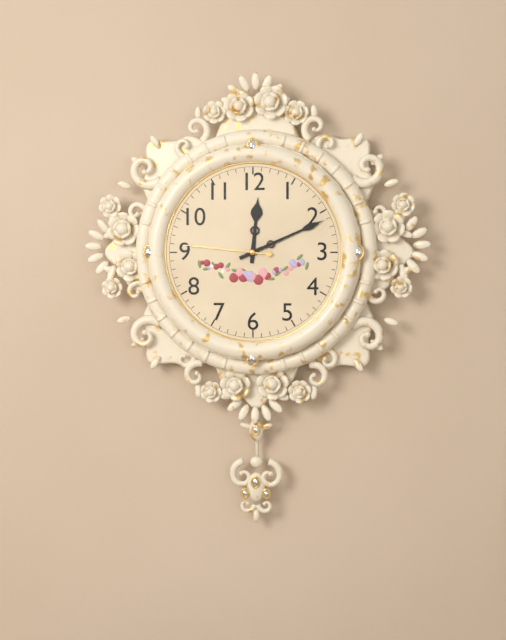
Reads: 12.11.46
